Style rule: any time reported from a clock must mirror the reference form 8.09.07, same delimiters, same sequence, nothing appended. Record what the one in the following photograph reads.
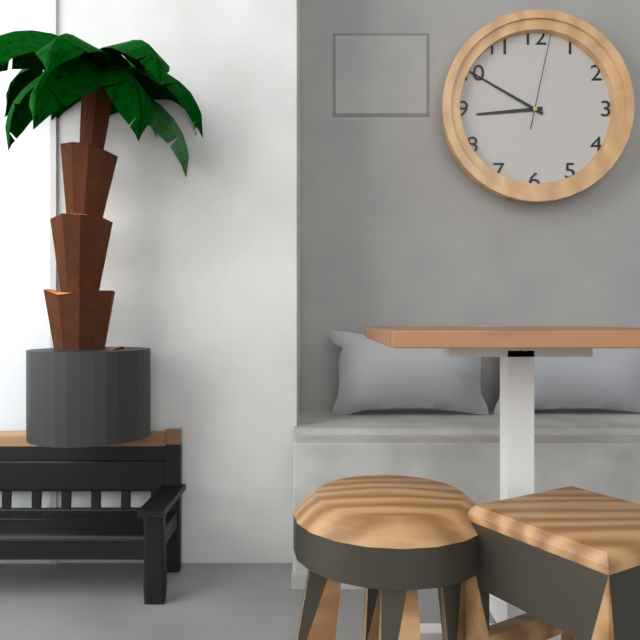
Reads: 8.50.02
